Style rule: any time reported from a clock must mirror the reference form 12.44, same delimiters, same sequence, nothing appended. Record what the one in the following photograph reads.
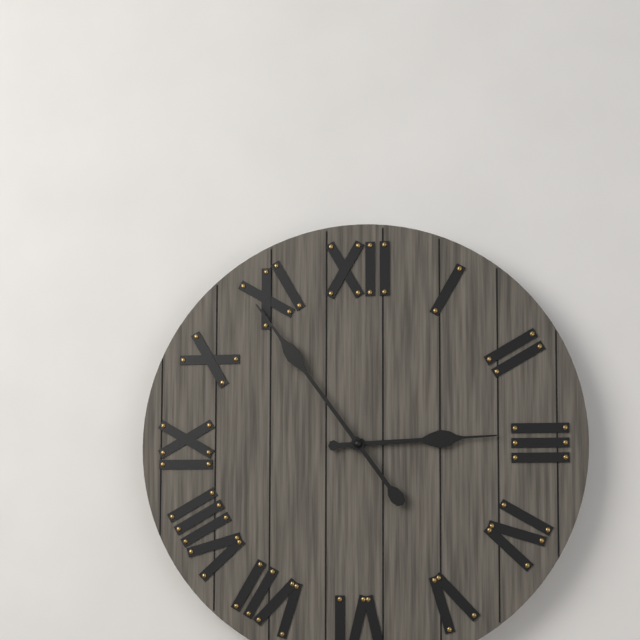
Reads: 2.54
